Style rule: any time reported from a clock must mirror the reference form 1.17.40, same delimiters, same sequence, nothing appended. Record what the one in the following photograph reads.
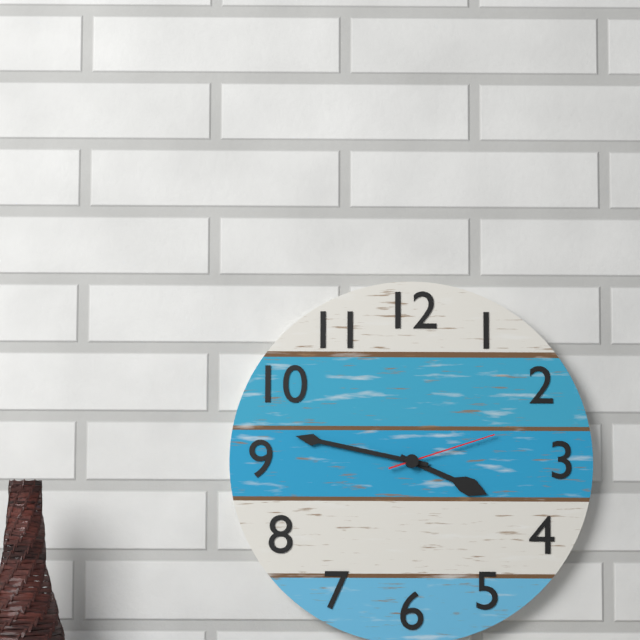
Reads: 3.47.12
